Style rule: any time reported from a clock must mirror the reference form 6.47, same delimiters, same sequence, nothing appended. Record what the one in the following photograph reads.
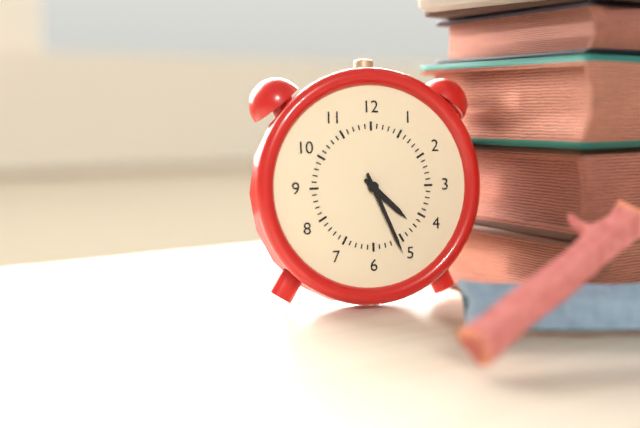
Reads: 4.26
